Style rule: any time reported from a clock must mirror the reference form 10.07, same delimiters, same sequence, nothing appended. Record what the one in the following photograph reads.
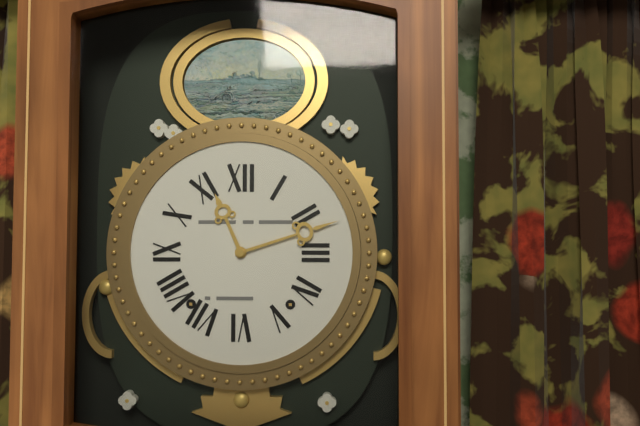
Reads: 11.12
